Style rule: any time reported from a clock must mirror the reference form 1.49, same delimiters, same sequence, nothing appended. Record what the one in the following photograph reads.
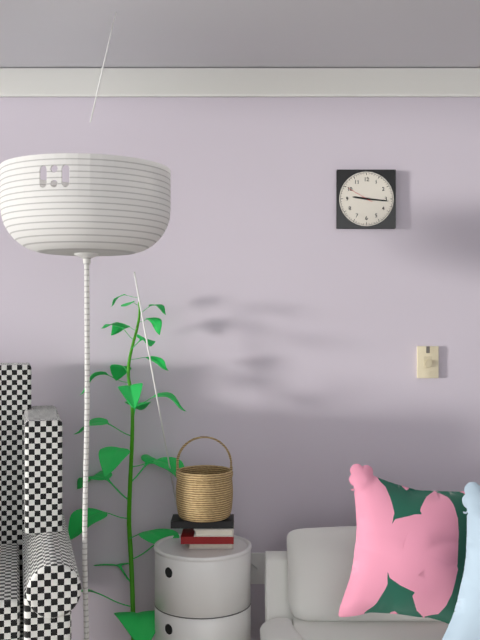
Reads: 9.16
